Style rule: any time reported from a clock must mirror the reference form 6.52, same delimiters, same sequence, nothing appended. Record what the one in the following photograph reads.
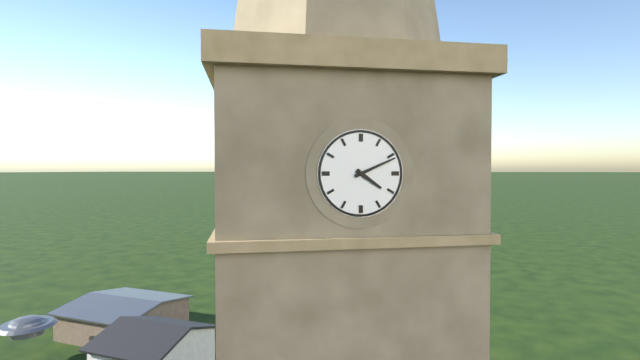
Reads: 4.11
